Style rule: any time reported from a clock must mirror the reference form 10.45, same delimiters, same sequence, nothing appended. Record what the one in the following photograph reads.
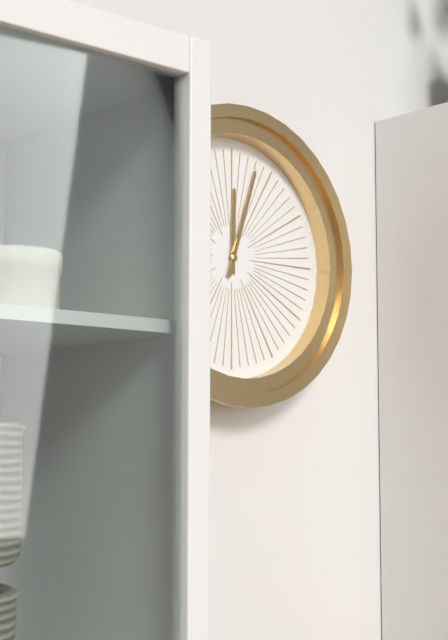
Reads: 12.03
